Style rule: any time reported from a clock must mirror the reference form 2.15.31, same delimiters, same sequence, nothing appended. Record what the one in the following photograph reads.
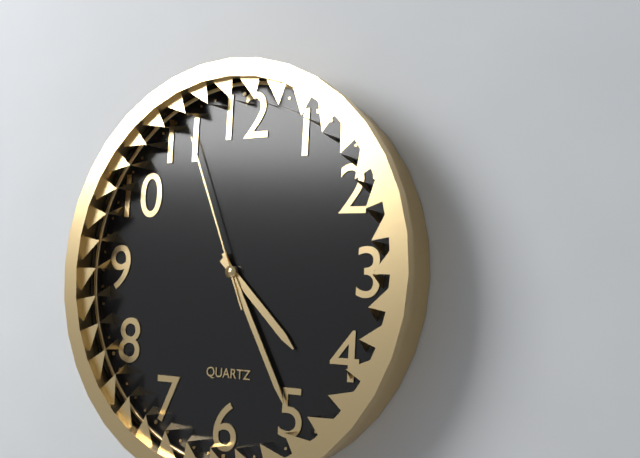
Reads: 4.25.56
